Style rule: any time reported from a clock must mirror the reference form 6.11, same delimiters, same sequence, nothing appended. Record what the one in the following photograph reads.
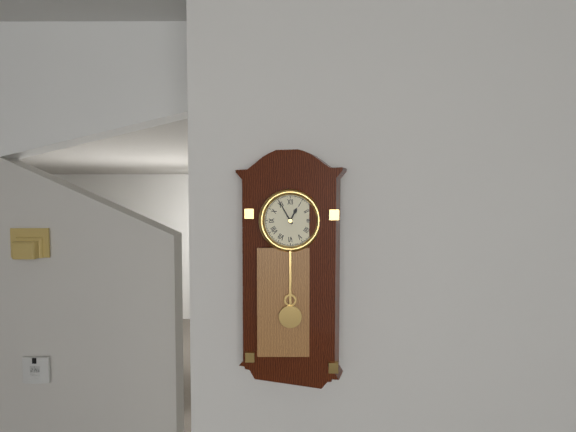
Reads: 12.55
